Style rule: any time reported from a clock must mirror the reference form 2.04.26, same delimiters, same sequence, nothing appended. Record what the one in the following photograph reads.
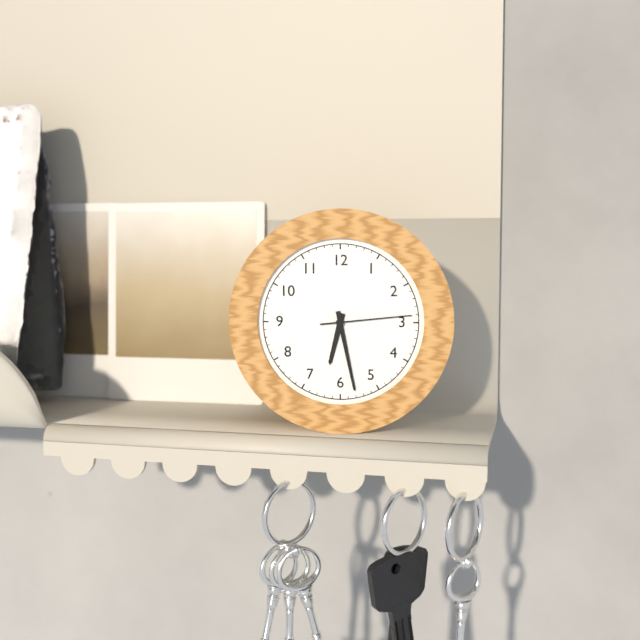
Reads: 6.28.14
